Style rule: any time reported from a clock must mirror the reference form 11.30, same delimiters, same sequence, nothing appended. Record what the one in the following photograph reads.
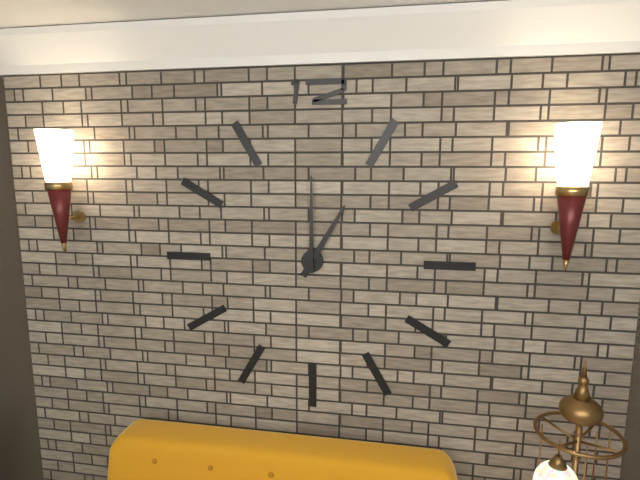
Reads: 1.00
